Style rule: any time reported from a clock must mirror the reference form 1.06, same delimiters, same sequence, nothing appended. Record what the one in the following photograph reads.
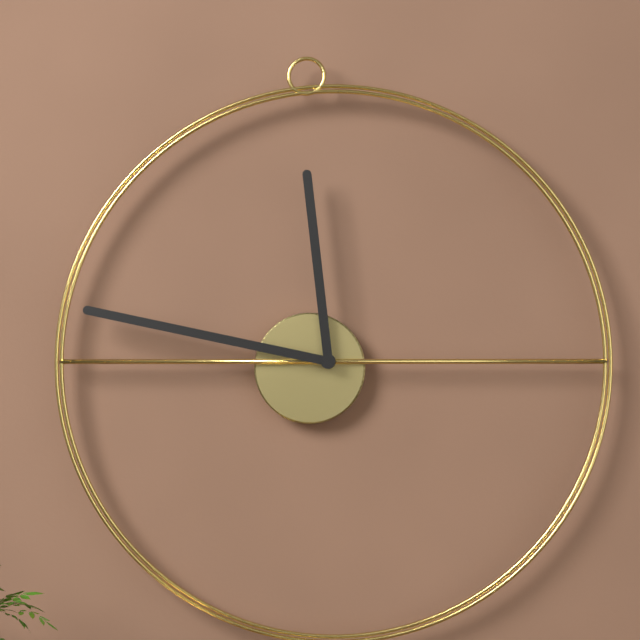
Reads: 11.47
